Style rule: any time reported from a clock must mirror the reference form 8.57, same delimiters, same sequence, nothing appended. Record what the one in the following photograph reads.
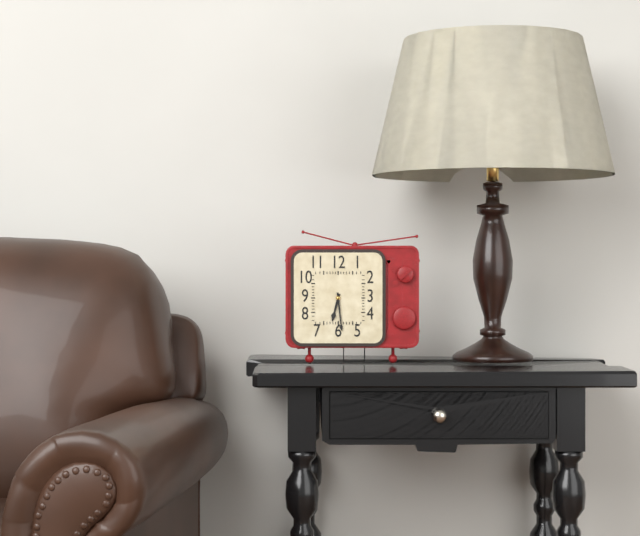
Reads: 6.29
